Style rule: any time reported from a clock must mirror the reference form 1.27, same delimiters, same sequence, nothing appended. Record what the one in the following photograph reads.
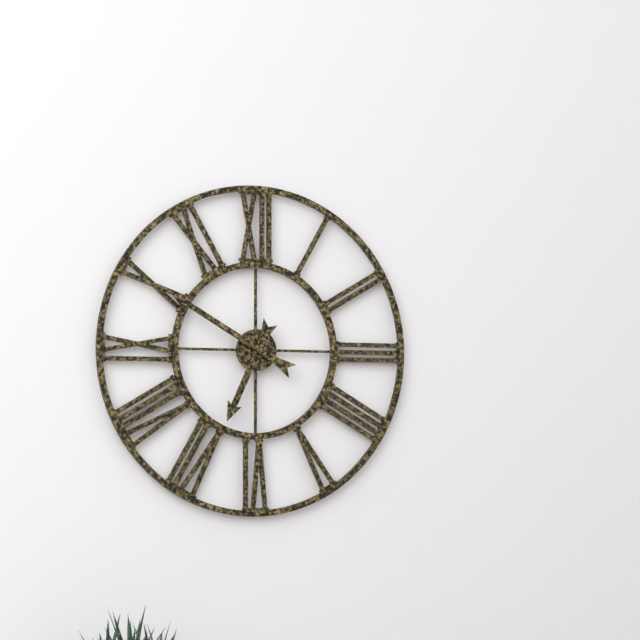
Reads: 6.50
